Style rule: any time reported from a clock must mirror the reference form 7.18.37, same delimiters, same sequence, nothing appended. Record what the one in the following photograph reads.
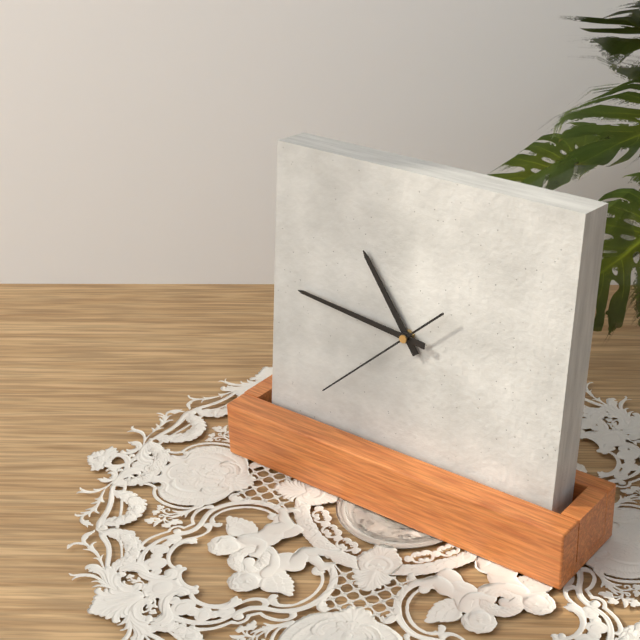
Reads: 10.46.38
